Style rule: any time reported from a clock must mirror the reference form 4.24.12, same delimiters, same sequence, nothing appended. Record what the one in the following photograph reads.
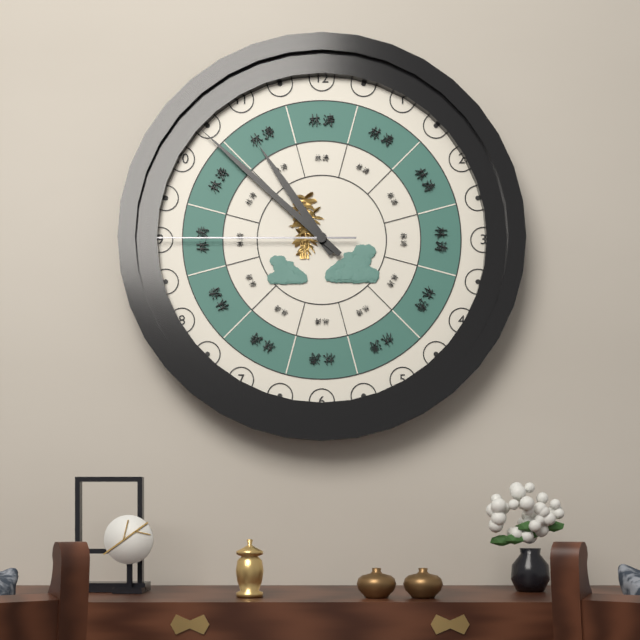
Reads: 10.52.45
